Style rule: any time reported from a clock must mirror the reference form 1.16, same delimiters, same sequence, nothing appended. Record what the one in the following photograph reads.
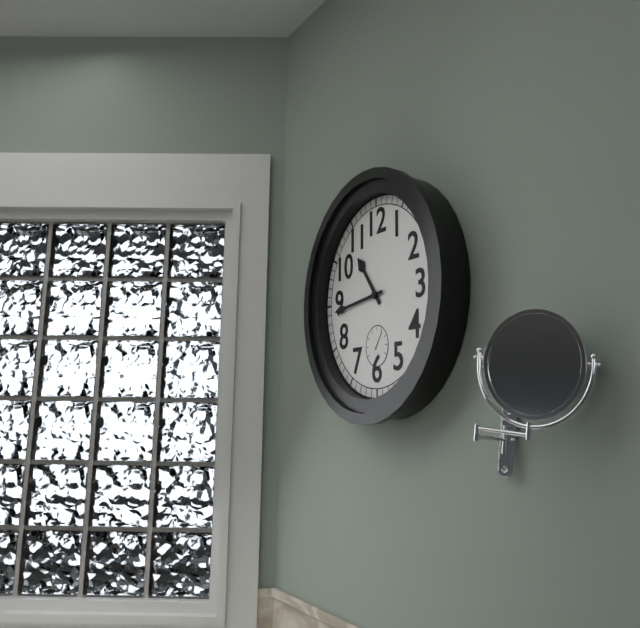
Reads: 10.44
